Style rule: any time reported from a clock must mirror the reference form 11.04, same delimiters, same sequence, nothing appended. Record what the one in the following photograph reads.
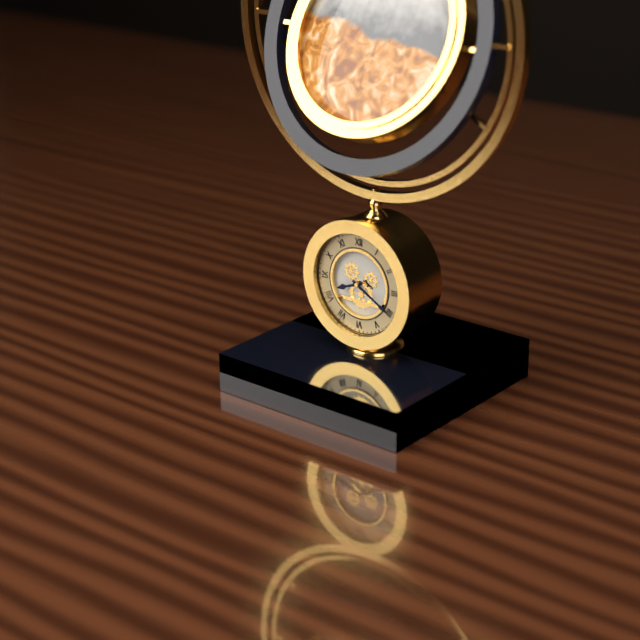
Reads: 8.20
